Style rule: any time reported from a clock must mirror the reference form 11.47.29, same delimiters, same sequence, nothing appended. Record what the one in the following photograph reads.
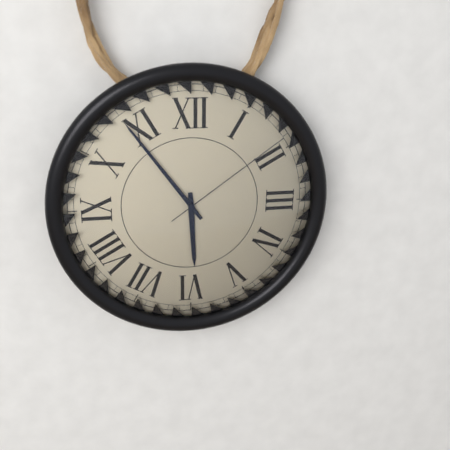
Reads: 5.54.09
